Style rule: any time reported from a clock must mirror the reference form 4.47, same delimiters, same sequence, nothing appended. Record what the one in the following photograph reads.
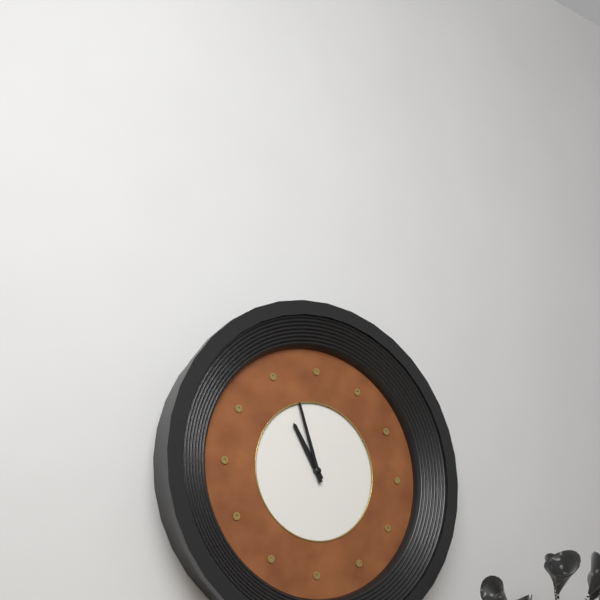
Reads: 10.57
